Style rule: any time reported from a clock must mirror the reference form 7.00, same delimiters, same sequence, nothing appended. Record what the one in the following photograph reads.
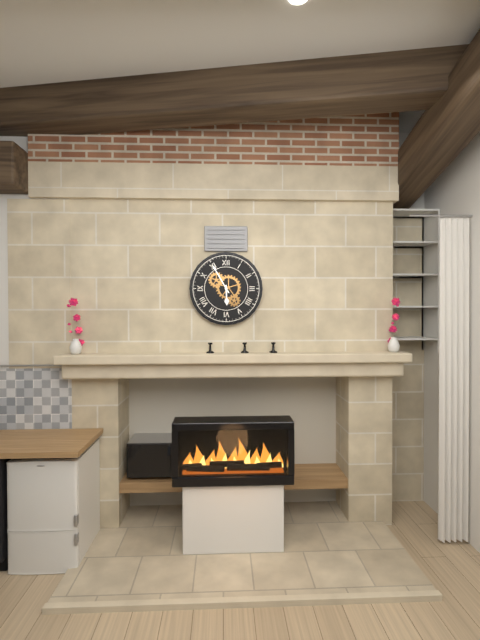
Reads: 5.55
